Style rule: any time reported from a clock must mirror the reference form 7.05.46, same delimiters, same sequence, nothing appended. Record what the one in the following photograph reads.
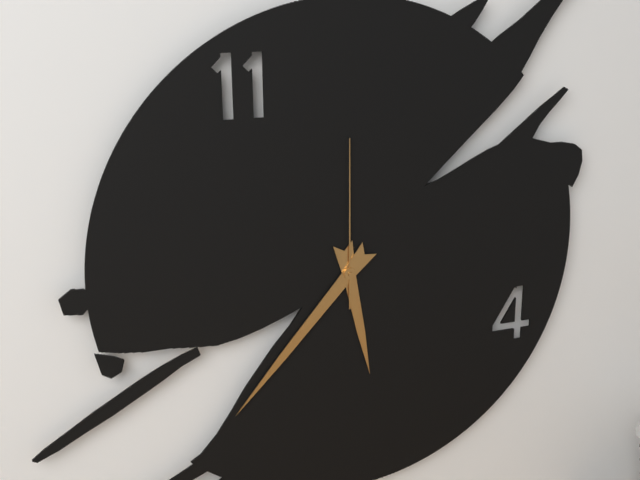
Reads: 5.37.00
